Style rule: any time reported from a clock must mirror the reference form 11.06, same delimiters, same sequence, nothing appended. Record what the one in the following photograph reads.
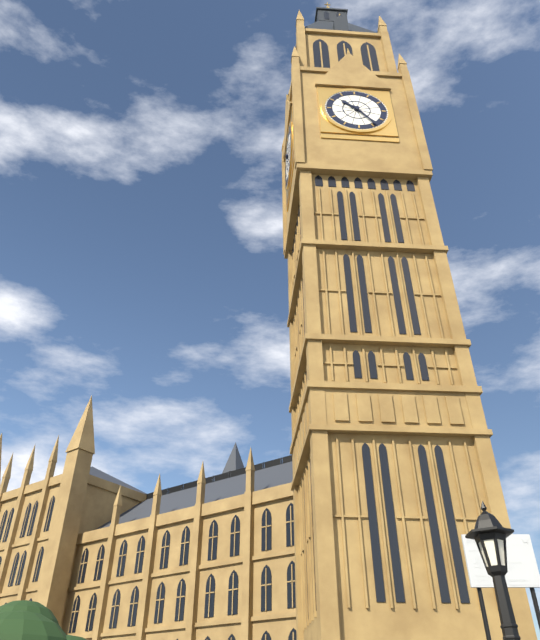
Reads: 10.24
